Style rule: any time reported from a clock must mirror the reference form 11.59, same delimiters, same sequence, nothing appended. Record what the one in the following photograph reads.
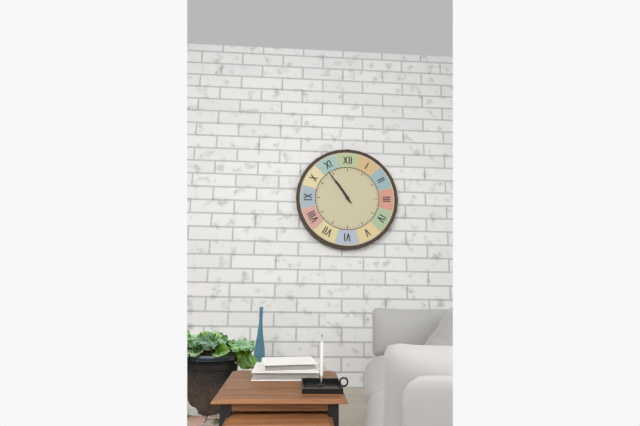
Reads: 10.54
